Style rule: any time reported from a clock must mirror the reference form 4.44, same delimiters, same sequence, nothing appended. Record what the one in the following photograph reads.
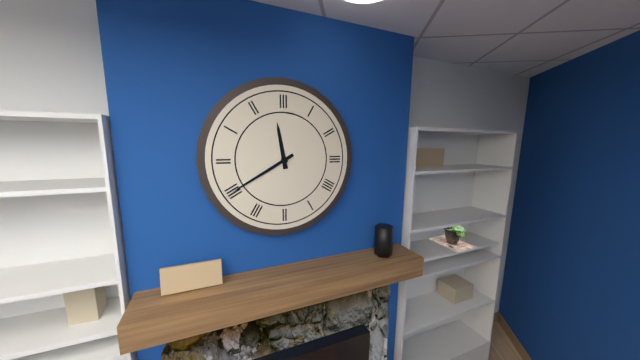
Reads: 11.40
